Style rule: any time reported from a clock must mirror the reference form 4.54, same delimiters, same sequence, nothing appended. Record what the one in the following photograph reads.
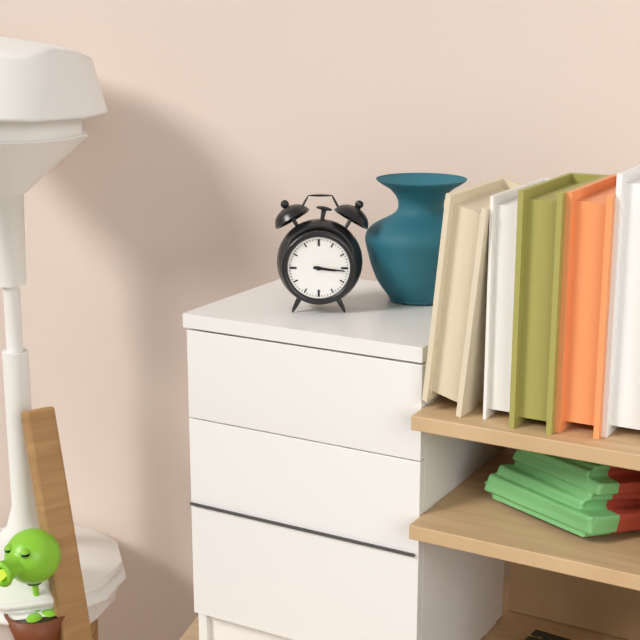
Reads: 3.16
